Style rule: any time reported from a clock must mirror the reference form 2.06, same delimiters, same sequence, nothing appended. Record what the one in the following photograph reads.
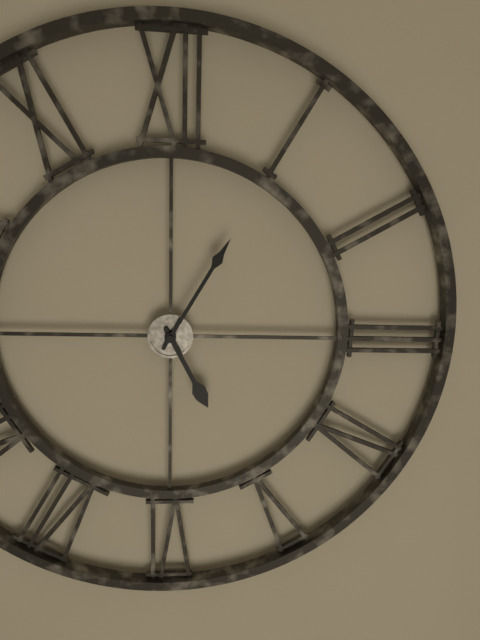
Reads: 5.05
